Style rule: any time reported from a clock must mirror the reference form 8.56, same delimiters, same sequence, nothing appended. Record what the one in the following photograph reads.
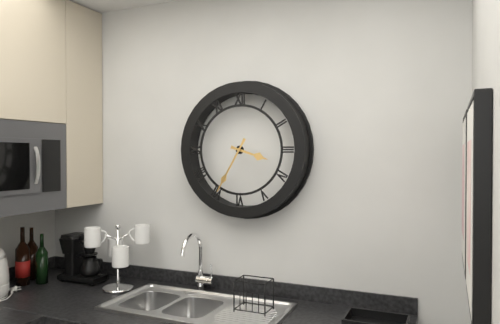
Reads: 3.35
